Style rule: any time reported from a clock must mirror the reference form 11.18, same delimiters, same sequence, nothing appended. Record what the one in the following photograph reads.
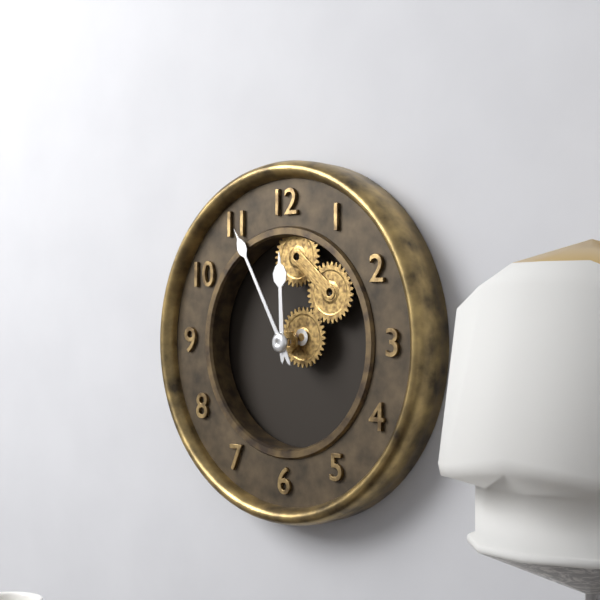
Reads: 11.55
